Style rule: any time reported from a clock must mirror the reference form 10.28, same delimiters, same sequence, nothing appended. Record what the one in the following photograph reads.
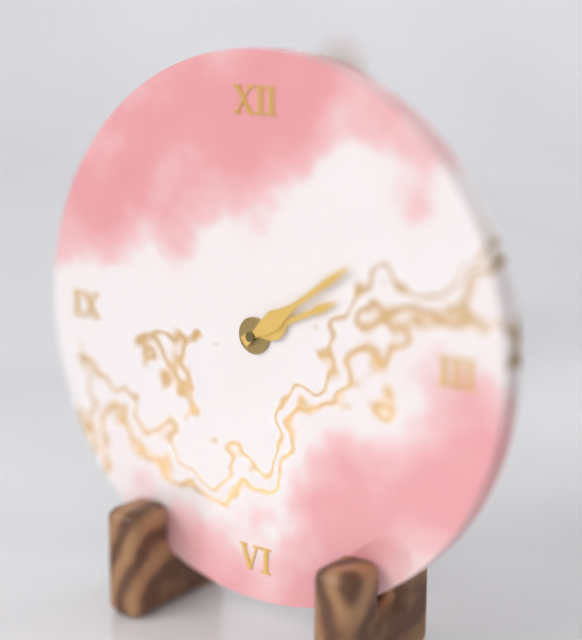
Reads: 2.09
